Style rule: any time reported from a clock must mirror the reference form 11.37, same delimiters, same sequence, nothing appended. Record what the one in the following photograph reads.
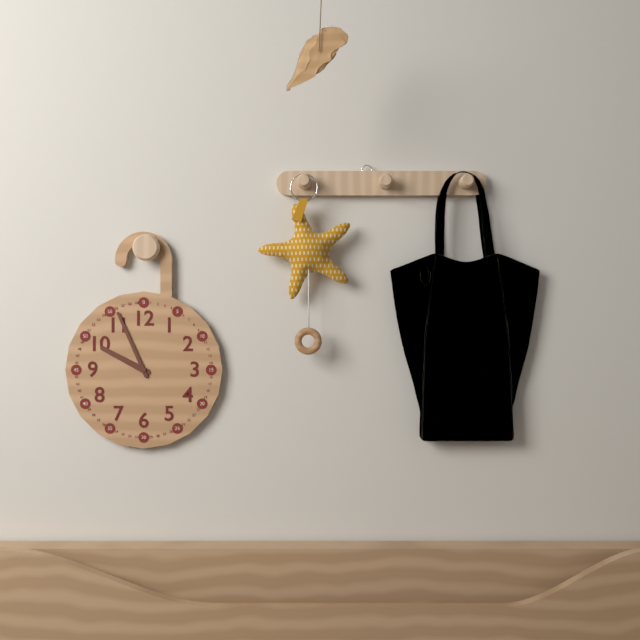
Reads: 9.56
